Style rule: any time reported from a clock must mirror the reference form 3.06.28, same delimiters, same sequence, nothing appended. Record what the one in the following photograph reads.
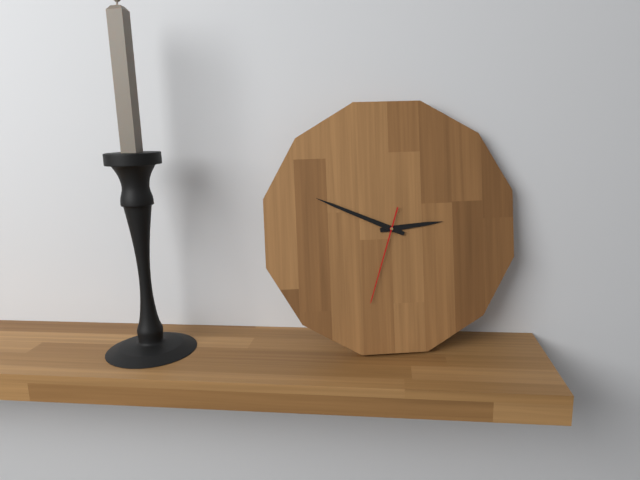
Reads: 2.49.33
